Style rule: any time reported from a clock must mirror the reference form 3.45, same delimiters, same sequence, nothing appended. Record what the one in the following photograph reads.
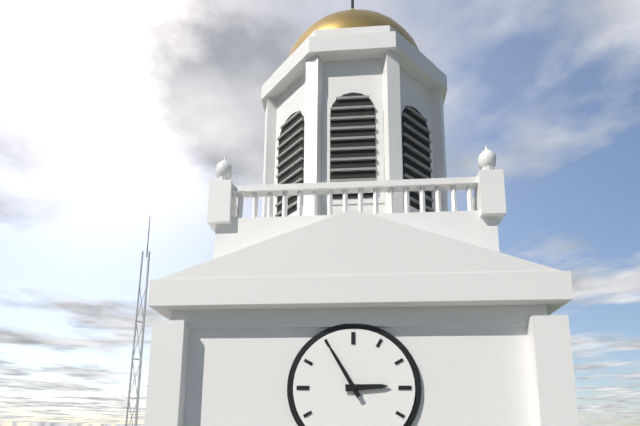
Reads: 2.55
